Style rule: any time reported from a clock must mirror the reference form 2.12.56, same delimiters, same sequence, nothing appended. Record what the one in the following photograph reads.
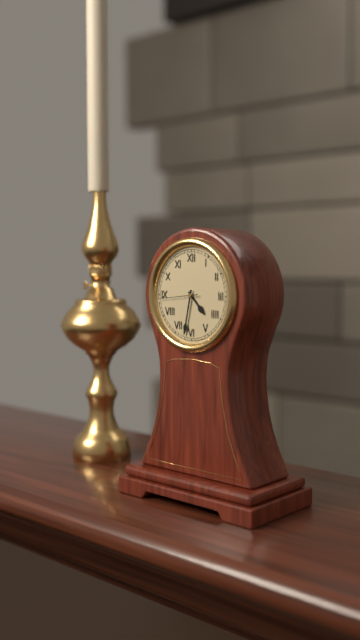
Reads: 4.32.44
